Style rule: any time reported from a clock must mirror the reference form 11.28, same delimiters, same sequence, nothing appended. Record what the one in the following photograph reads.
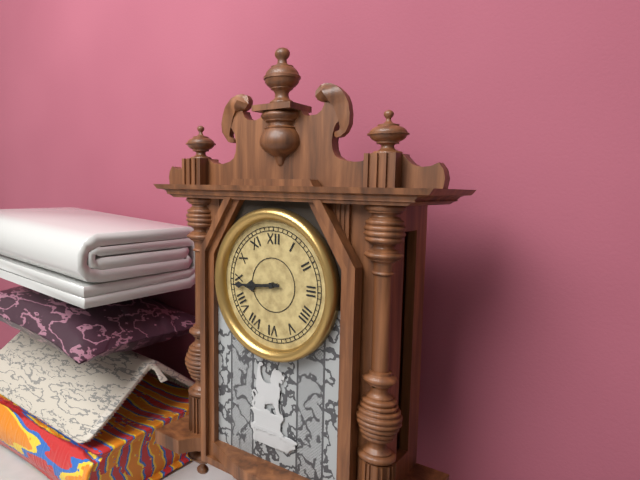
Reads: 8.44
